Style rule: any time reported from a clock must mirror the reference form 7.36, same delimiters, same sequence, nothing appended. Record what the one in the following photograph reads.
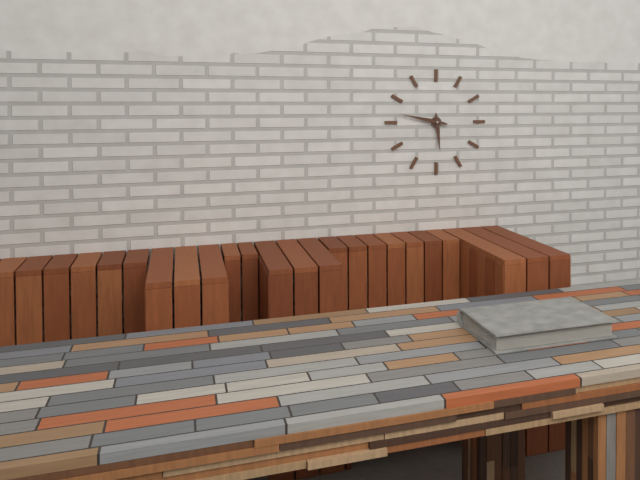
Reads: 5.47
